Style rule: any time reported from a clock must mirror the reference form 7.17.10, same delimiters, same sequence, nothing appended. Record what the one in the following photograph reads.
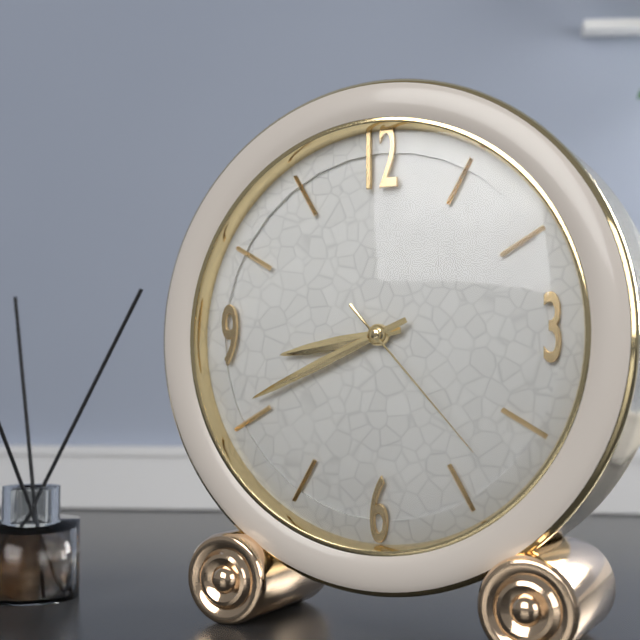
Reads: 8.41.23
